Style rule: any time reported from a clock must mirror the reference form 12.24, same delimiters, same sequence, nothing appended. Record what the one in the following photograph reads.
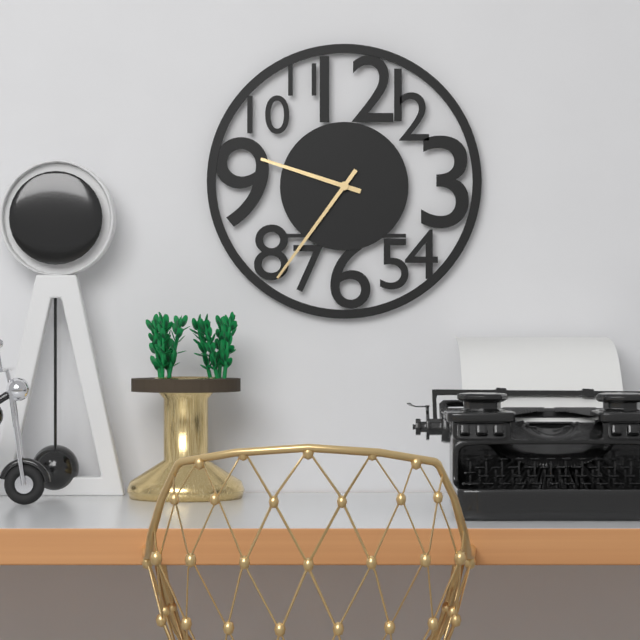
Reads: 9.36
